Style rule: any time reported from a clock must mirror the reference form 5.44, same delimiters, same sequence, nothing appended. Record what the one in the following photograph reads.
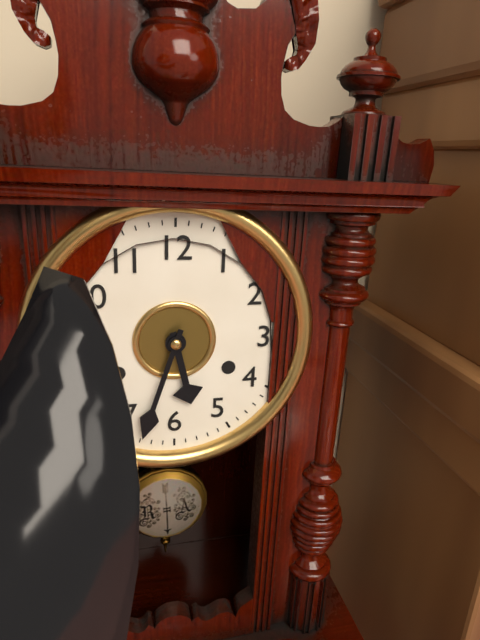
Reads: 5.33
